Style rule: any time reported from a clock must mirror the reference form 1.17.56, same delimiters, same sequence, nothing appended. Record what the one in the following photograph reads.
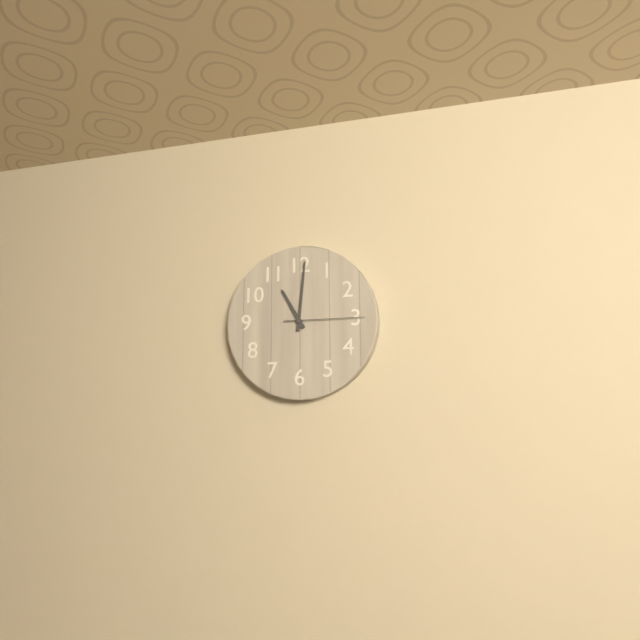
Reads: 11.01.15
